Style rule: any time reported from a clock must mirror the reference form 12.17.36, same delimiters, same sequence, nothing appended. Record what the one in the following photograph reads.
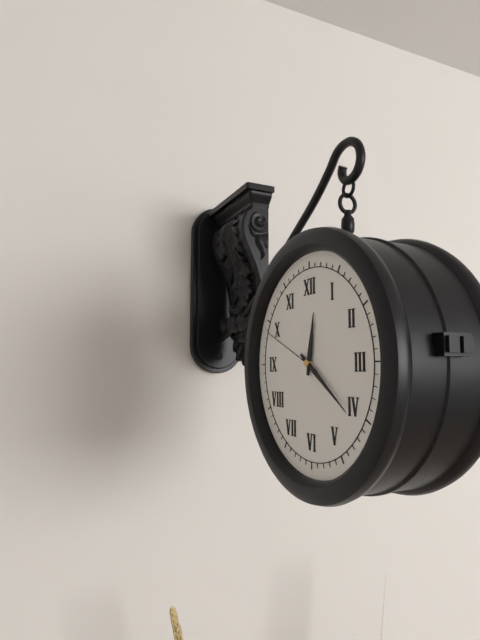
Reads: 12.21.49
